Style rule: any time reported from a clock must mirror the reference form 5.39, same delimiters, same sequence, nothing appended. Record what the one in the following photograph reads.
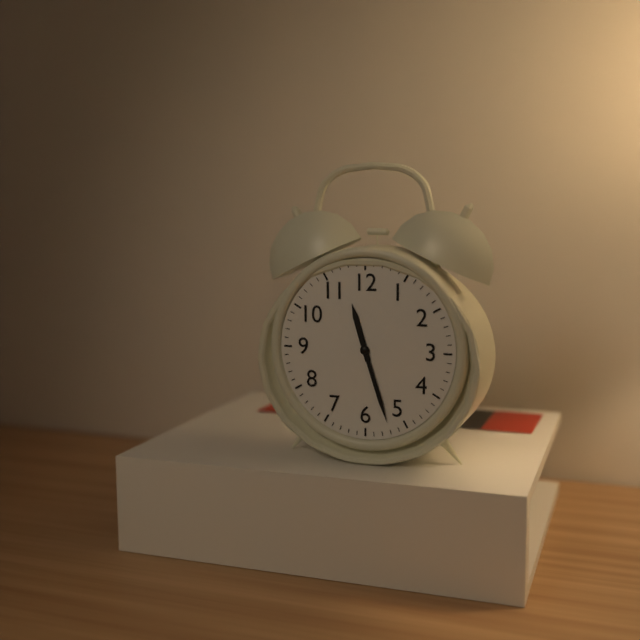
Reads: 11.27
